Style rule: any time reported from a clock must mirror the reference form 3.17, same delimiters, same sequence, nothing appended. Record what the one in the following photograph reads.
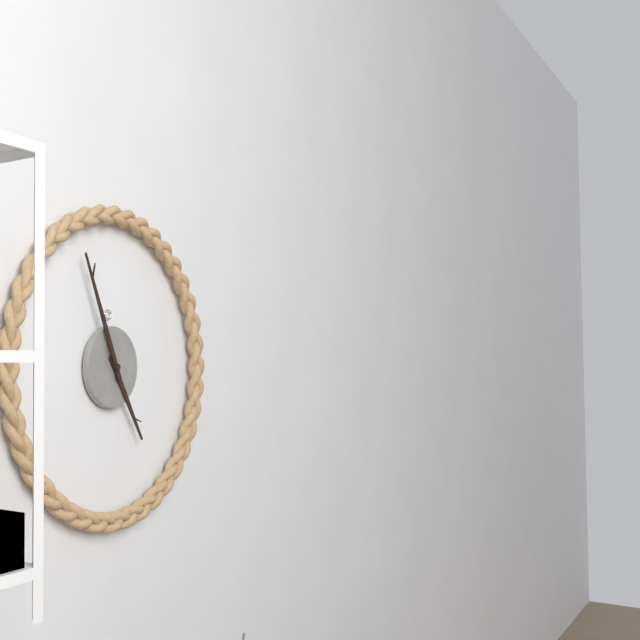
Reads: 4.56
